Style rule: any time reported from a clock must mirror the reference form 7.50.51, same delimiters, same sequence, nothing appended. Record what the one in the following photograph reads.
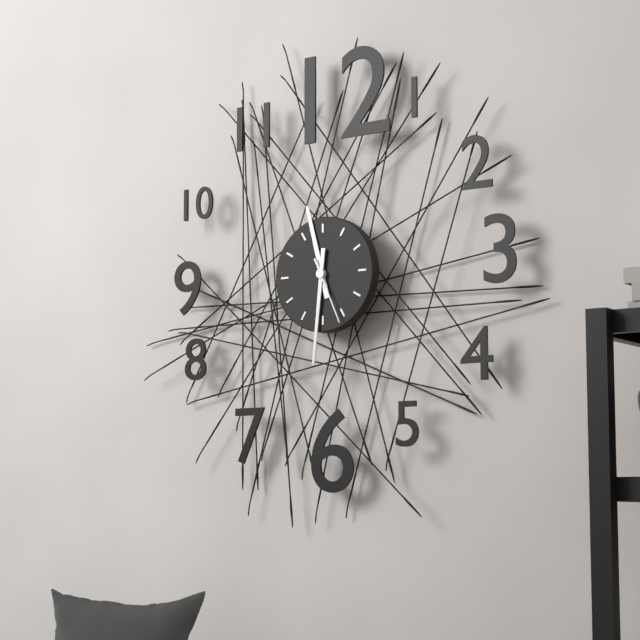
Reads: 11.31.26
